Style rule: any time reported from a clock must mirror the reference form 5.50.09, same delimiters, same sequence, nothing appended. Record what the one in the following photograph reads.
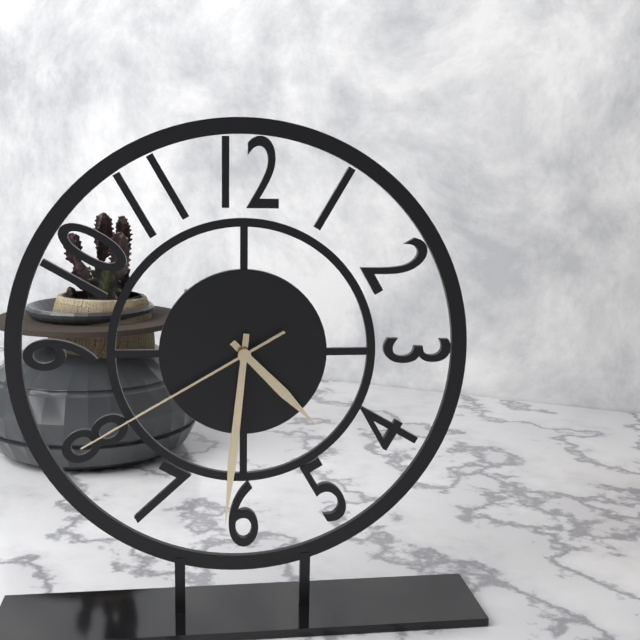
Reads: 4.31.40
